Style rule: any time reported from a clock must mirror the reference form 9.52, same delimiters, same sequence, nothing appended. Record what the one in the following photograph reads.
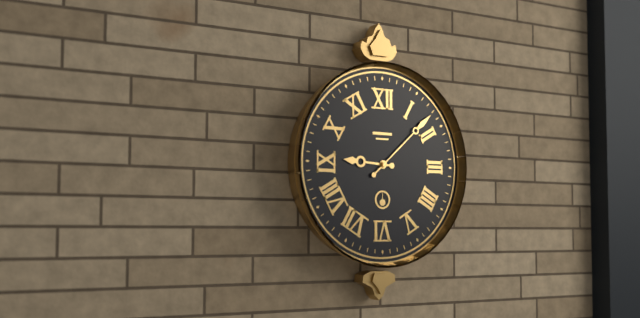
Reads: 9.08
